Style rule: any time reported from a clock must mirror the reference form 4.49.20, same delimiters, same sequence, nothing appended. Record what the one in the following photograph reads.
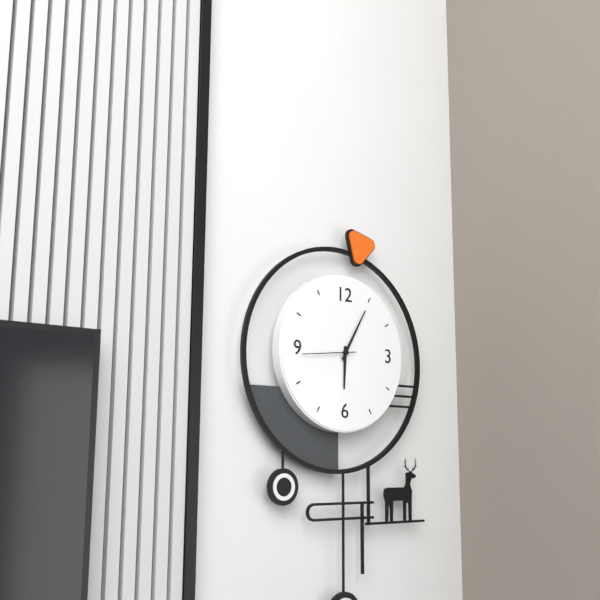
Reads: 6.05.44
